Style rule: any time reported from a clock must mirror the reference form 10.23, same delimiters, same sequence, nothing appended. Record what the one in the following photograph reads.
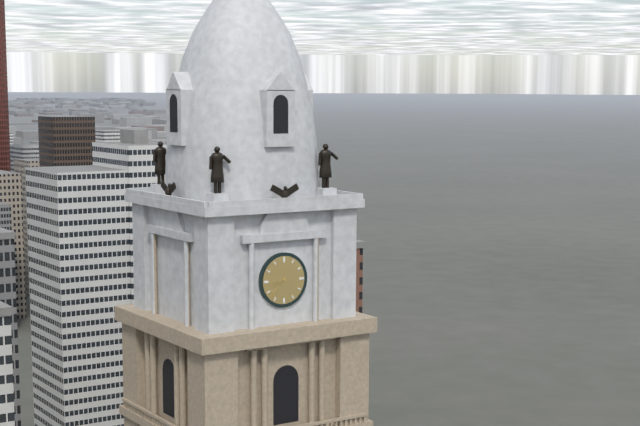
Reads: 8.37
